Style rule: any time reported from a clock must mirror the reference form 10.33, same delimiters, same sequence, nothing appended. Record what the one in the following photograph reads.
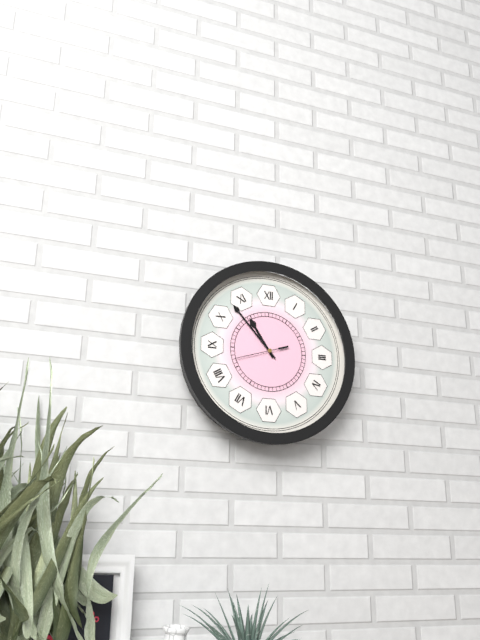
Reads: 10.53
